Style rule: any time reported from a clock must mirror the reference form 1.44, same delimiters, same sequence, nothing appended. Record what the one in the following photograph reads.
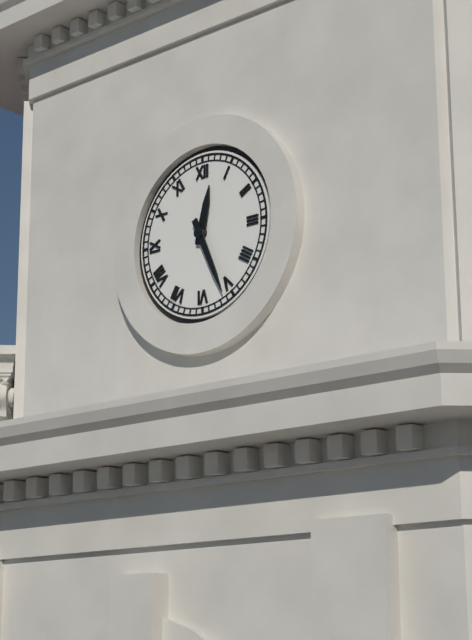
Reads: 12.26
